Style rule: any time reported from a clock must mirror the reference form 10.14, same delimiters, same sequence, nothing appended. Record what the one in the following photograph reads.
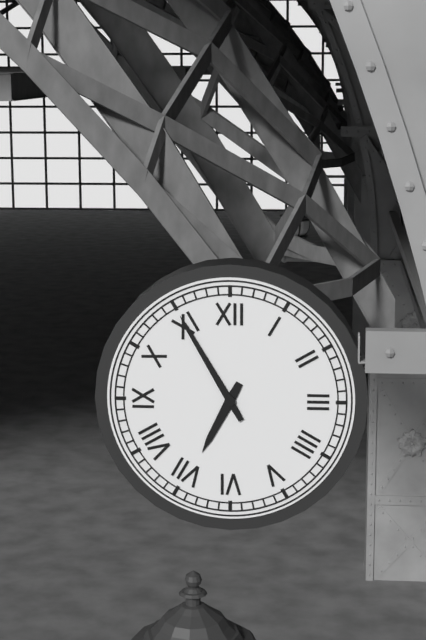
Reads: 6.55
